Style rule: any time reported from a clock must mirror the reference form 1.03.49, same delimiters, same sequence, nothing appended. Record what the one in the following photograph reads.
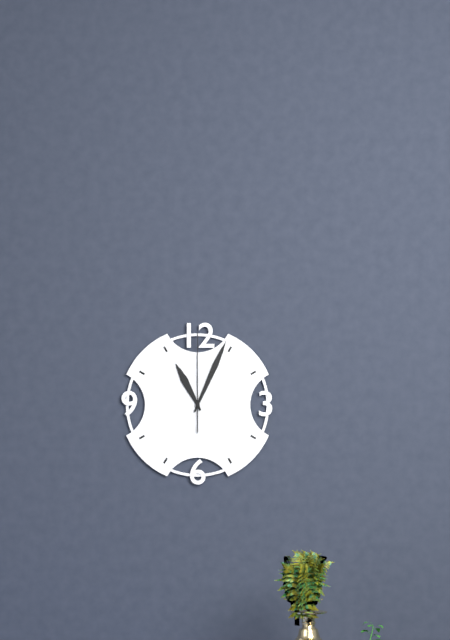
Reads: 11.04.00
